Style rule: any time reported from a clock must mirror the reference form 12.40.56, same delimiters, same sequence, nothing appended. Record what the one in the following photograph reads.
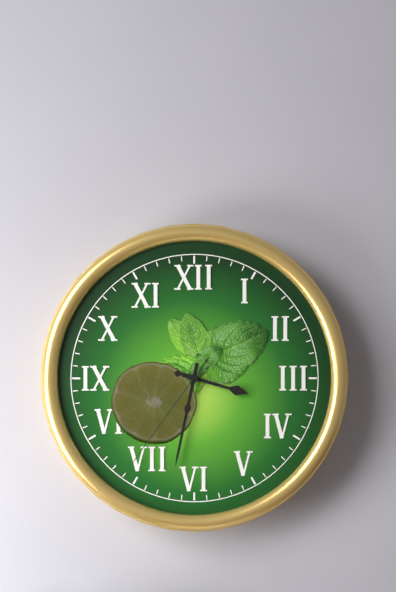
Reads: 3.32.36
